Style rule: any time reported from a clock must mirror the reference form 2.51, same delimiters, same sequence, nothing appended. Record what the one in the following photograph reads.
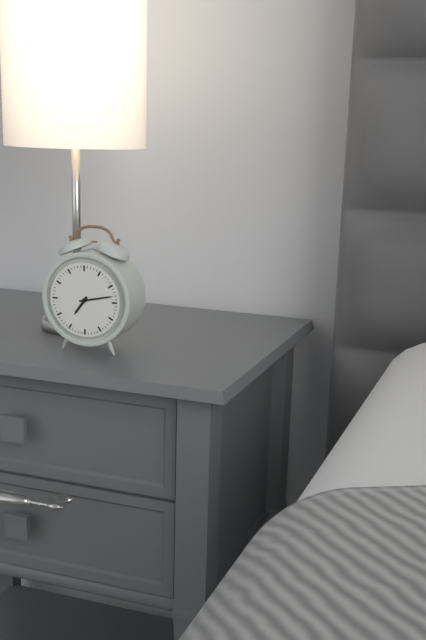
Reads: 7.13
